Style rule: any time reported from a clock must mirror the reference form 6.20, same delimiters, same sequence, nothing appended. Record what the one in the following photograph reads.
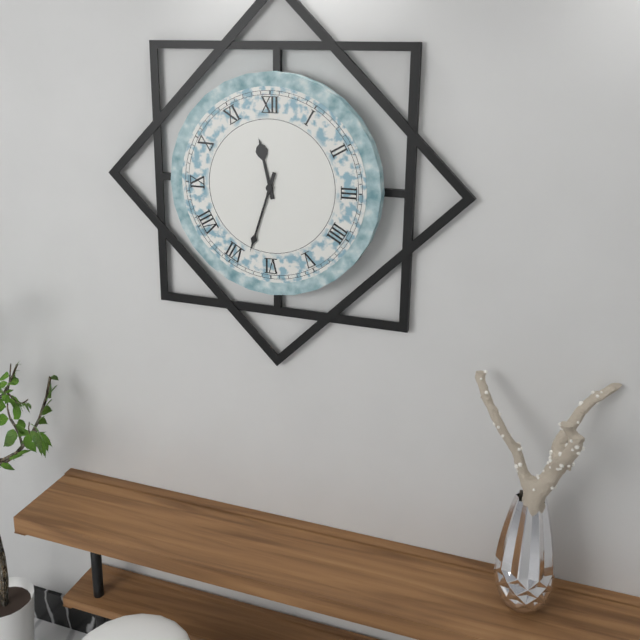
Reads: 11.33
